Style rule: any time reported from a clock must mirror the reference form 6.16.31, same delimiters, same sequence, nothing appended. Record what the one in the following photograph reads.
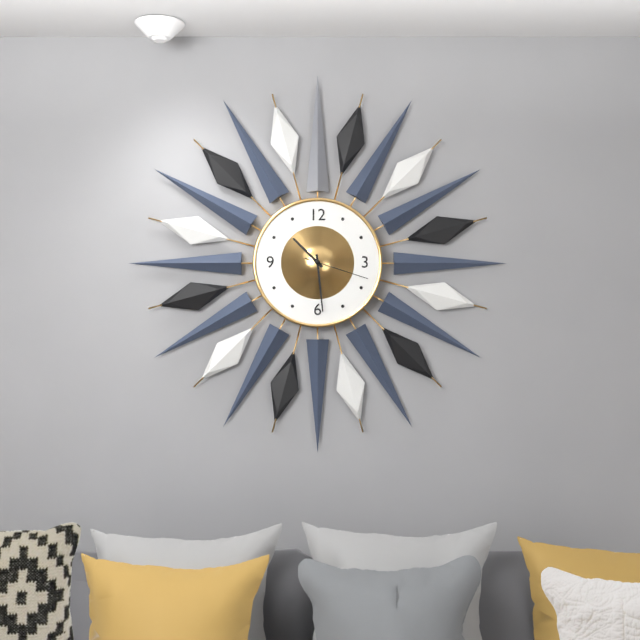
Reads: 10.29.18
